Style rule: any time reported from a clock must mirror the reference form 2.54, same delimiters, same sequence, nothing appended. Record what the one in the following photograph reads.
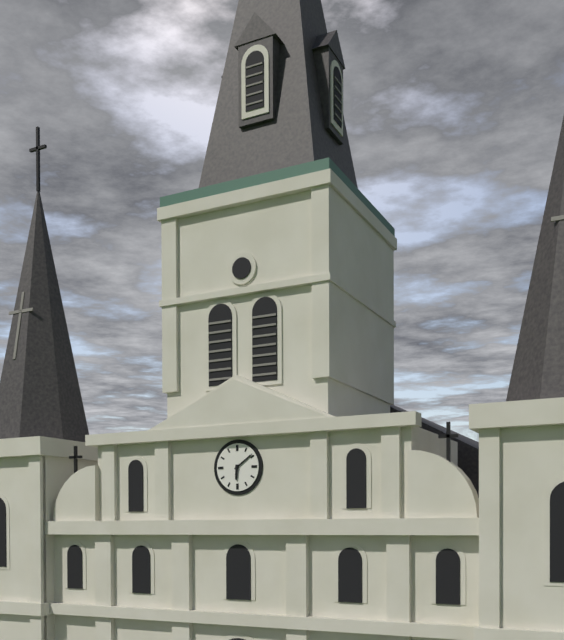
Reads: 6.09
